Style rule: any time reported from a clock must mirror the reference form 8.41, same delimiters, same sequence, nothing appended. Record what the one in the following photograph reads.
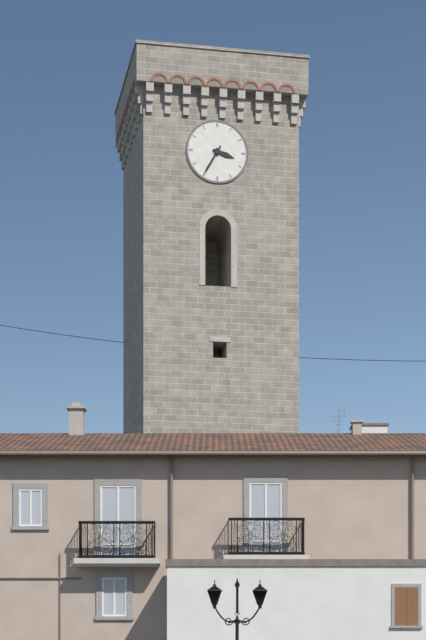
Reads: 3.35
